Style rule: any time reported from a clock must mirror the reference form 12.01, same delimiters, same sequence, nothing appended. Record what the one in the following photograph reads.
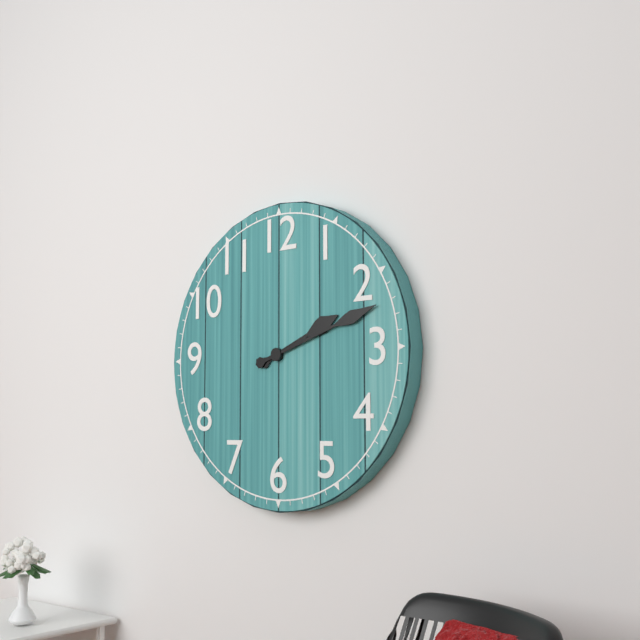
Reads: 2.12
